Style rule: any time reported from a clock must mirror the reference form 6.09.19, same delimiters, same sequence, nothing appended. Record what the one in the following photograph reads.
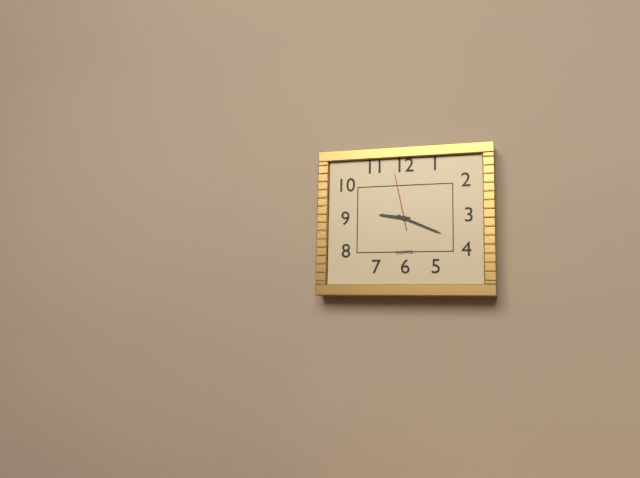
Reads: 9.19.58
